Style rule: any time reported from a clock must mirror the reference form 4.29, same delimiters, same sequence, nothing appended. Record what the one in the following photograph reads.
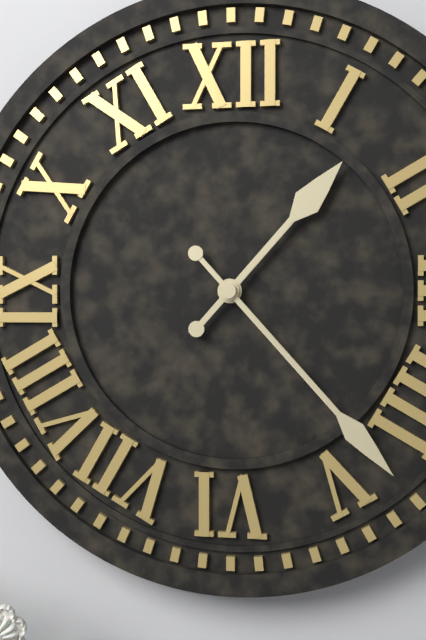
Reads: 1.23
